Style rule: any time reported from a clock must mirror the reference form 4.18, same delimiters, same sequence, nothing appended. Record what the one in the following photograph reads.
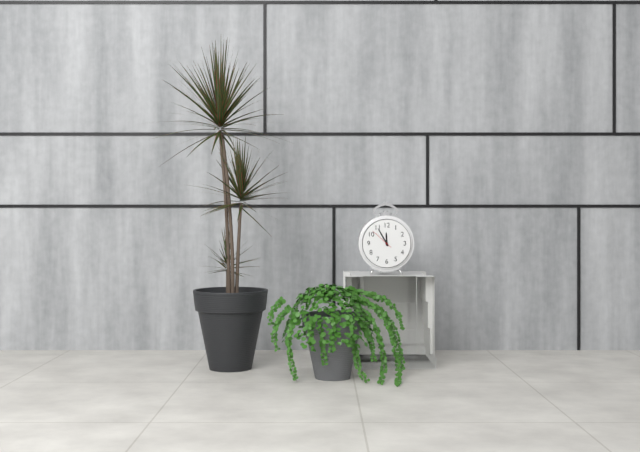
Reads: 11.55
